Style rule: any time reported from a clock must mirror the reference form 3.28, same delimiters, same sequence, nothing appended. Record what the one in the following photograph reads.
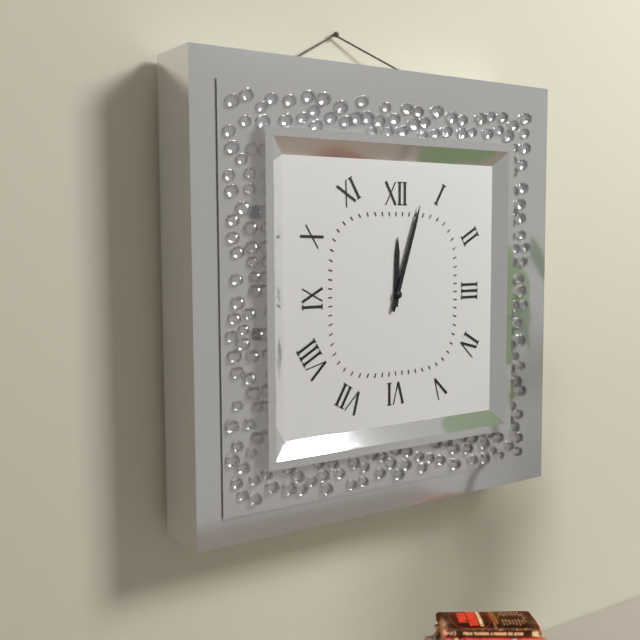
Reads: 12.03
